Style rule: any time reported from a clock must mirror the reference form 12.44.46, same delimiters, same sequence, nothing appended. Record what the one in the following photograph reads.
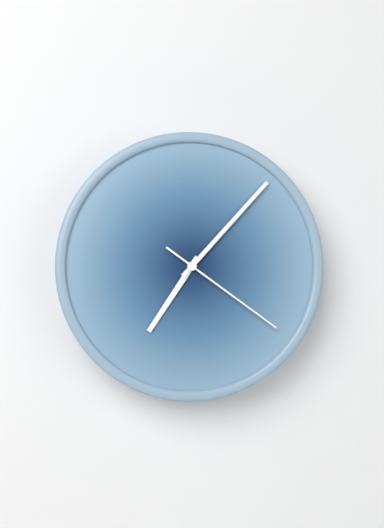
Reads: 7.07.21
